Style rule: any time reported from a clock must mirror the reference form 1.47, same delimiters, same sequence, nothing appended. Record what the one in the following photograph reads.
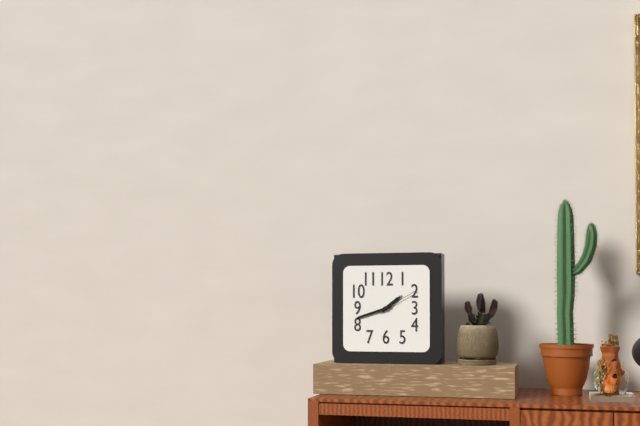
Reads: 1.42
